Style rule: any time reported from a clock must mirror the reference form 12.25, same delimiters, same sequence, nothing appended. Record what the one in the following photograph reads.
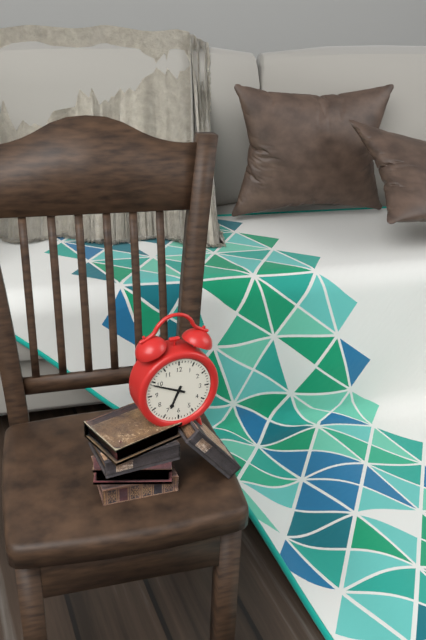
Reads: 6.49
